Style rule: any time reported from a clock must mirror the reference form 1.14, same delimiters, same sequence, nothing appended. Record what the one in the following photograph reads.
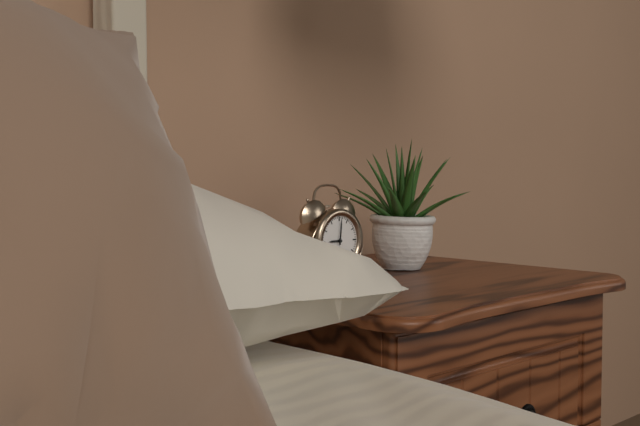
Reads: 9.01
